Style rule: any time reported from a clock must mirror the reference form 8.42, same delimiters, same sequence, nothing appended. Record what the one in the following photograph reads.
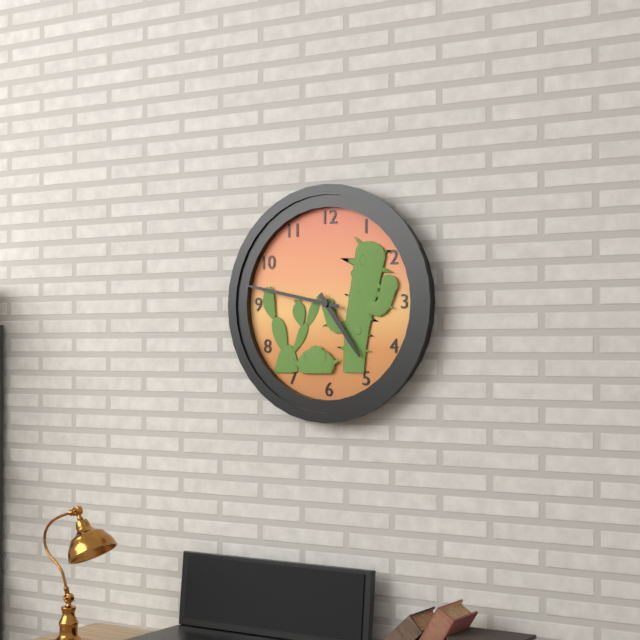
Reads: 4.47
